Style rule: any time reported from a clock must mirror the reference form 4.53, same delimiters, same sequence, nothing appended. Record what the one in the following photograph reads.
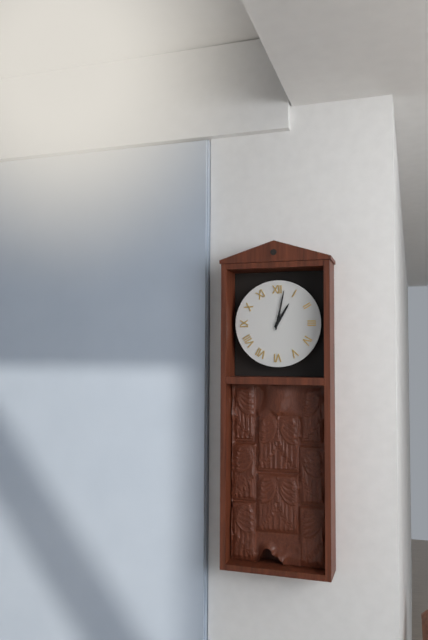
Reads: 1.02
